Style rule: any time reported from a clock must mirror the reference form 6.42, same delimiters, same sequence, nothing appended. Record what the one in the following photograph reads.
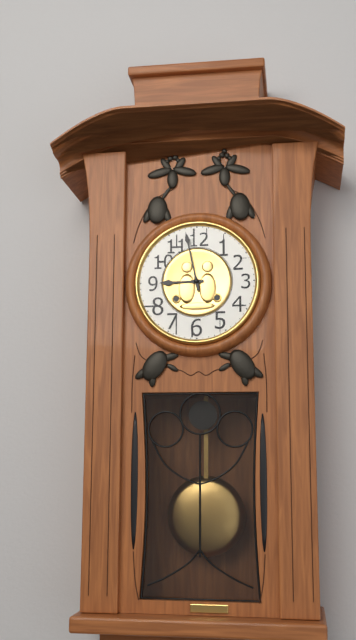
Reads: 8.58
